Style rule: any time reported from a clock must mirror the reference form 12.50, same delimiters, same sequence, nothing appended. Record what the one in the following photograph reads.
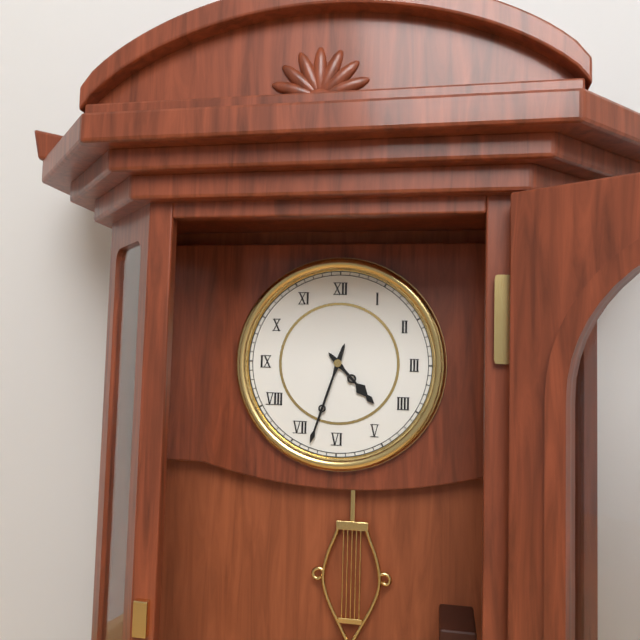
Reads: 4.33
